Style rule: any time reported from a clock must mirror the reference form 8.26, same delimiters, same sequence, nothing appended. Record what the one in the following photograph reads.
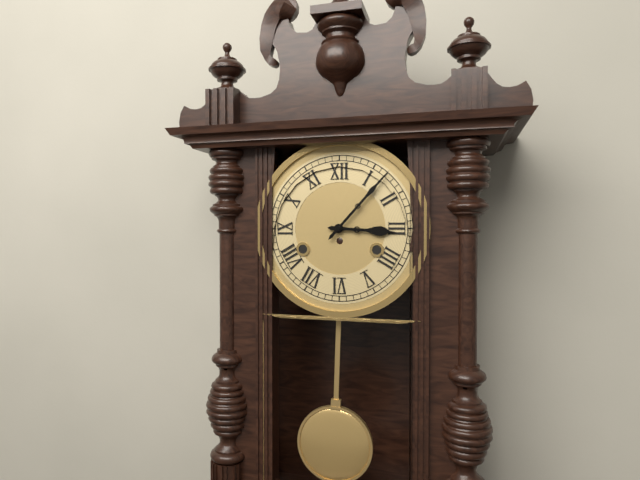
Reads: 3.07
